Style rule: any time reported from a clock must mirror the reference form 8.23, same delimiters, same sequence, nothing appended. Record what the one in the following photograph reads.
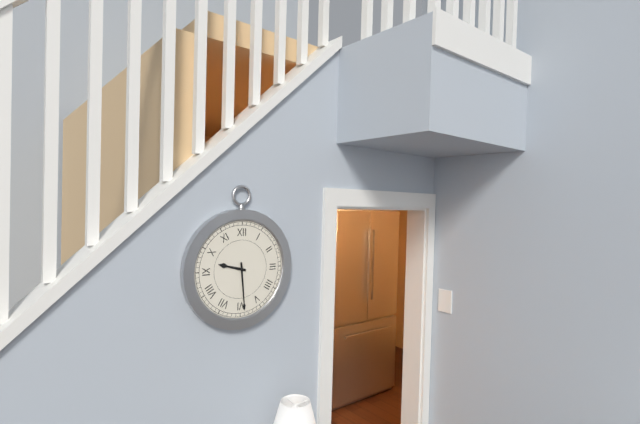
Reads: 9.29
